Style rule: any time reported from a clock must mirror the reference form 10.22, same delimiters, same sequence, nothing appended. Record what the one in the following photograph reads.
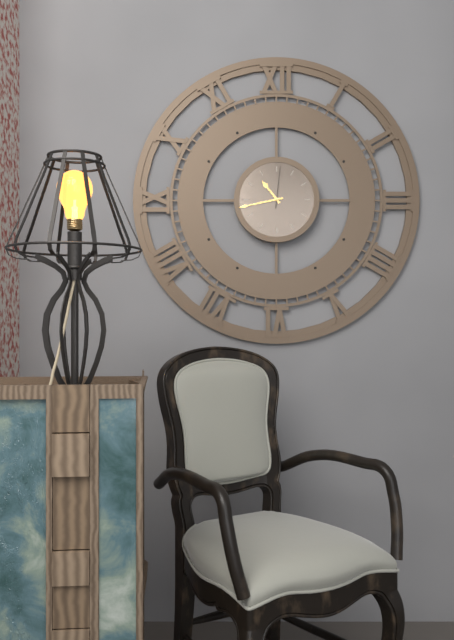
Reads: 10.43
